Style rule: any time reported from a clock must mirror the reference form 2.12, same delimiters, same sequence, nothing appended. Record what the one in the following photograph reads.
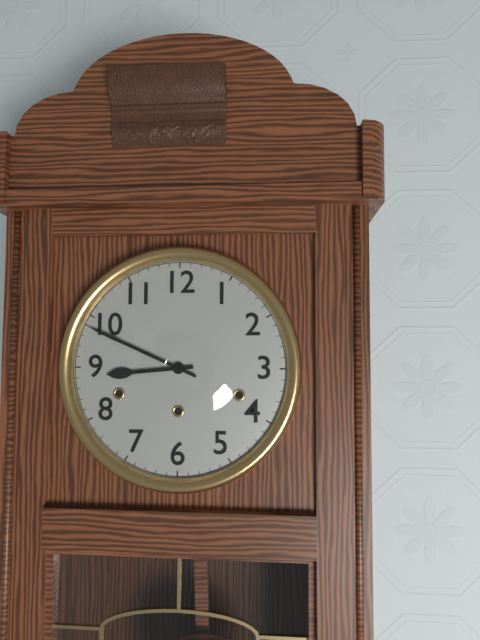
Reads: 8.49
